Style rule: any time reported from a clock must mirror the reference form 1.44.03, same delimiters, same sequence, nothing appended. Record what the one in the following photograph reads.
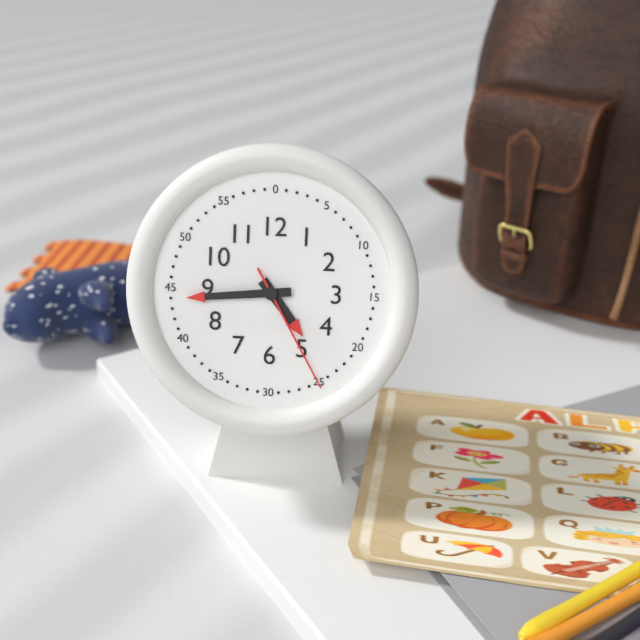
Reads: 4.44.25
